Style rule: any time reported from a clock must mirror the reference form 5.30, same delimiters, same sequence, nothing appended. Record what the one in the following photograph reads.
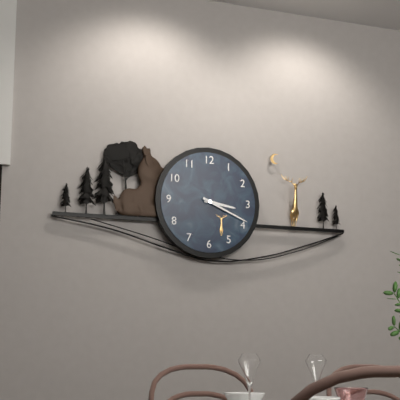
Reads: 3.19
